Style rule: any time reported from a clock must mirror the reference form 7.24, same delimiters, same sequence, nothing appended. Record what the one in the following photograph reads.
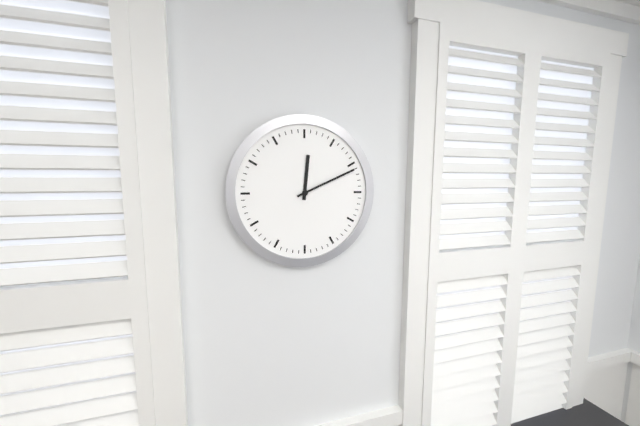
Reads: 12.11
